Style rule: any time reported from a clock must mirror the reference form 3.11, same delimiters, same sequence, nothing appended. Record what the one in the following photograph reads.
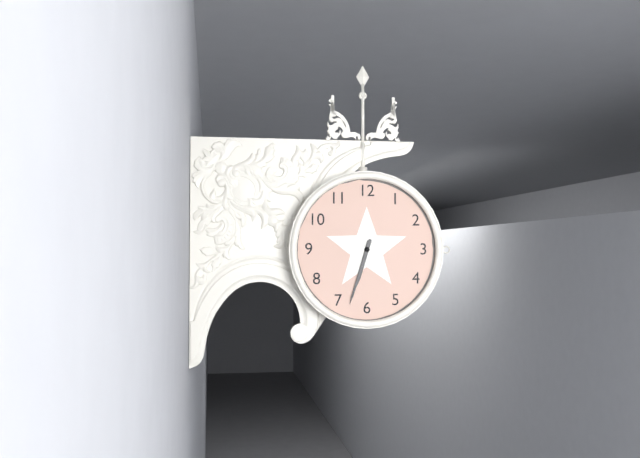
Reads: 6.33
